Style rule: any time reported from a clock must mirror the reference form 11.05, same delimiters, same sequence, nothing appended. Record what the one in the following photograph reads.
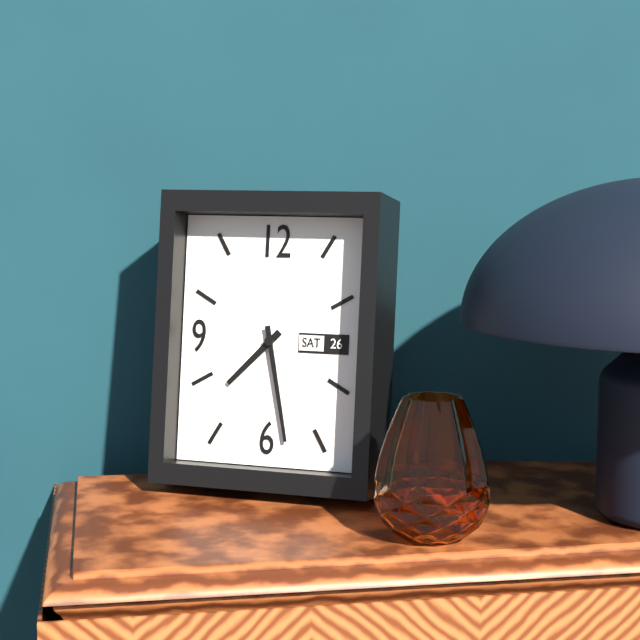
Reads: 7.28
